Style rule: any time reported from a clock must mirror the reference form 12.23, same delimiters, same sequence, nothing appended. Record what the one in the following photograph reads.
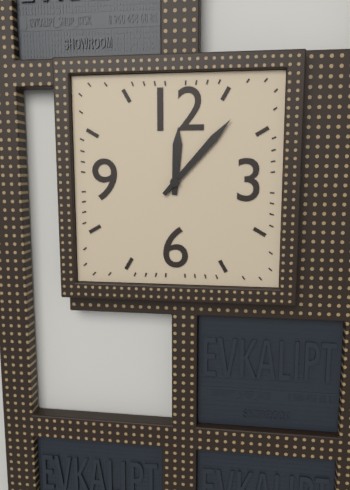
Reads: 12.07
